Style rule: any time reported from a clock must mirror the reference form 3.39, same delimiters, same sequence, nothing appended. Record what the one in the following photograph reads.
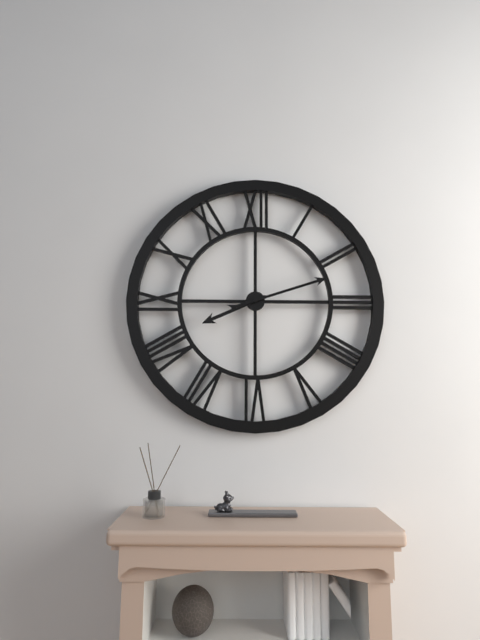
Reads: 8.12
